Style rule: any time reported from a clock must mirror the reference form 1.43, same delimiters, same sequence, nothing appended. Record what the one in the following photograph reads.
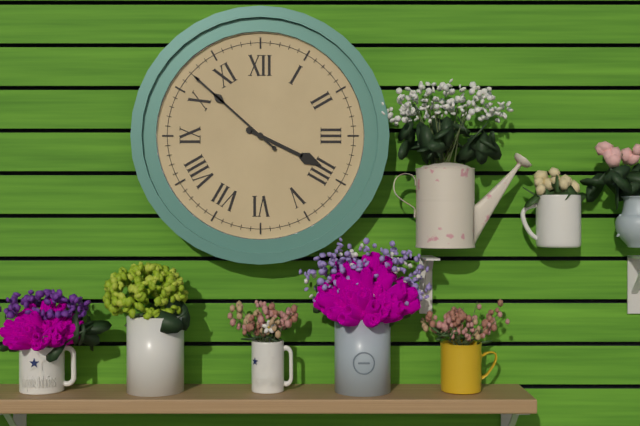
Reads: 3.52
